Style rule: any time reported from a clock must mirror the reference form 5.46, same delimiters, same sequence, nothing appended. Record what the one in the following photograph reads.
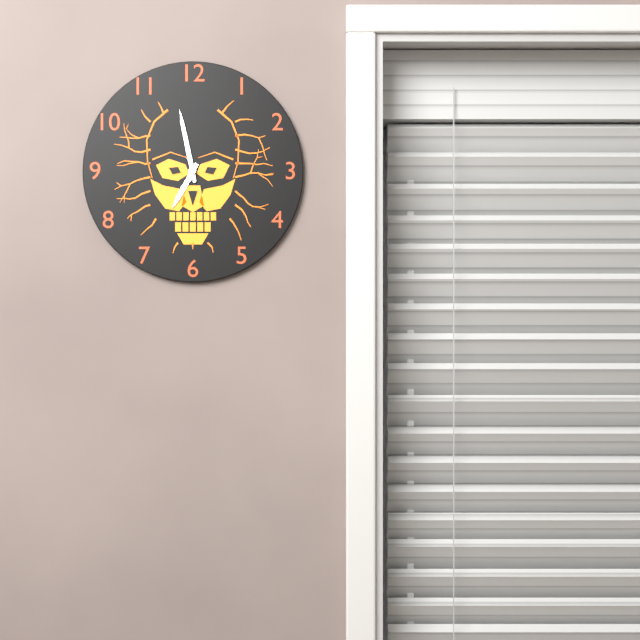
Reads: 6.58
